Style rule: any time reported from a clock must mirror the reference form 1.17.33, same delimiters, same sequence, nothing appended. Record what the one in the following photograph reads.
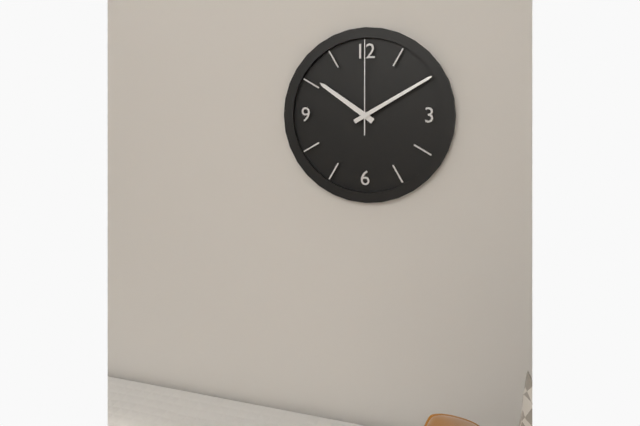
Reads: 10.10.00
